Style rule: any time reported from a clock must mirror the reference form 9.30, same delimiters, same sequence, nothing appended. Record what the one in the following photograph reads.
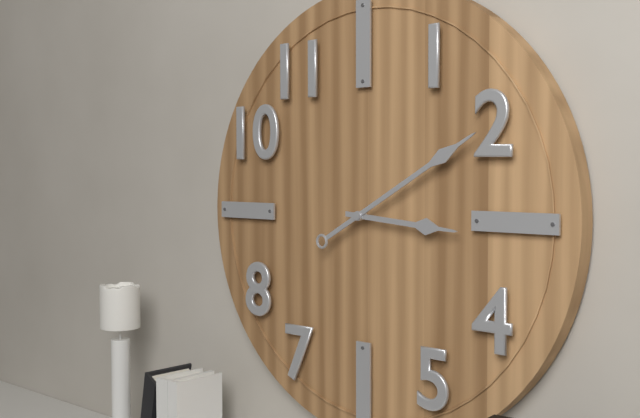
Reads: 3.10
